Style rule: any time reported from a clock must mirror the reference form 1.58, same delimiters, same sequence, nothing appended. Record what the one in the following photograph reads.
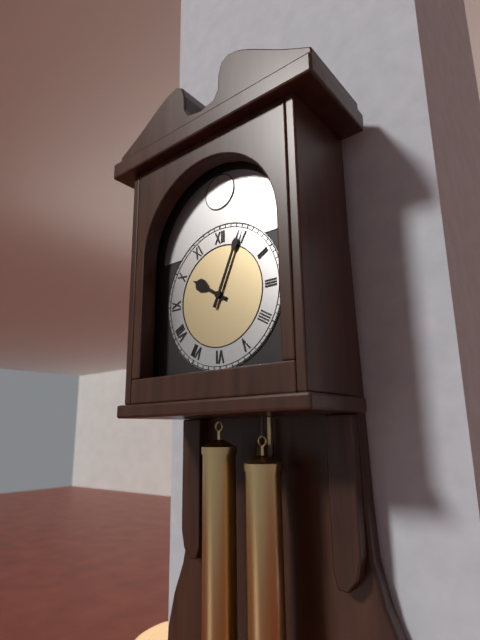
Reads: 10.04
